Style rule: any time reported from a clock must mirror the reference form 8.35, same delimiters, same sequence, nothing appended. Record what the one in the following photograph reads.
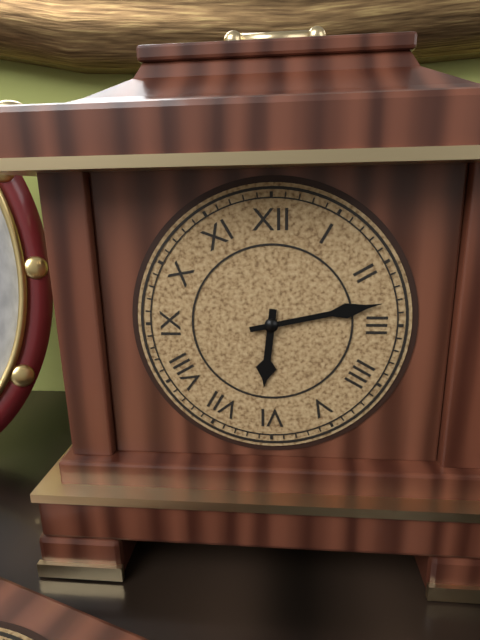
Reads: 6.13
